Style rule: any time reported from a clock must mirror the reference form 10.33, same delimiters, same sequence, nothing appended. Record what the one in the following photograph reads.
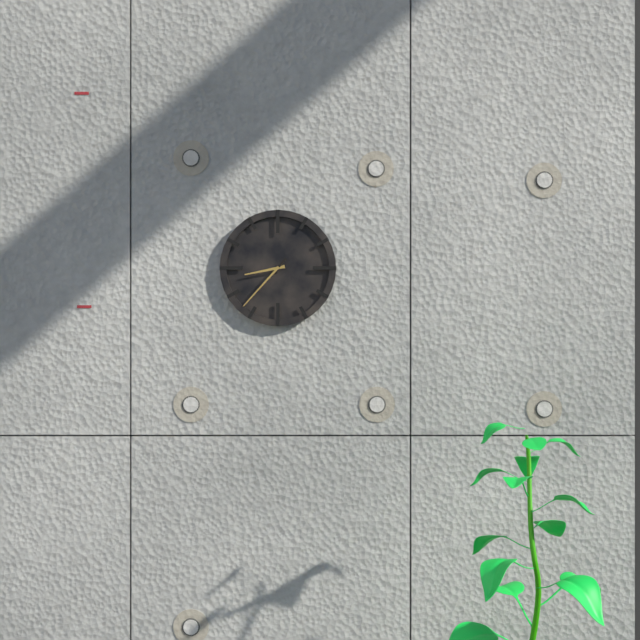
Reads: 8.37
